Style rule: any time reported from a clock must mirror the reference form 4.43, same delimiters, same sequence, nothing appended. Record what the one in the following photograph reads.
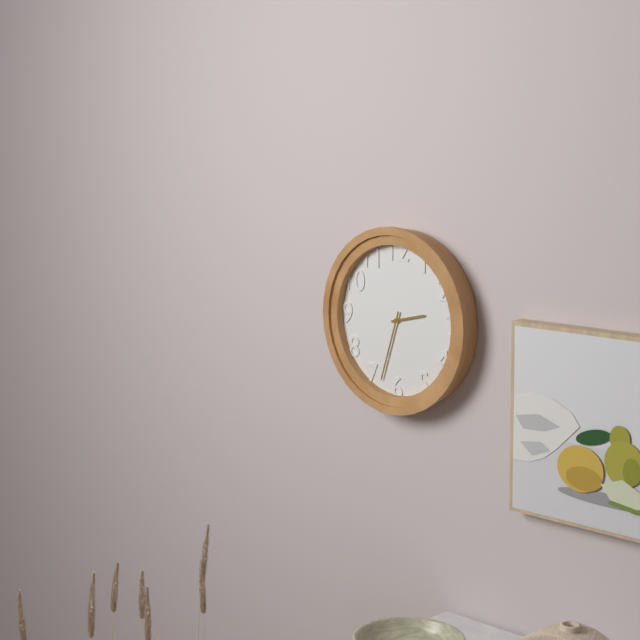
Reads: 2.33
